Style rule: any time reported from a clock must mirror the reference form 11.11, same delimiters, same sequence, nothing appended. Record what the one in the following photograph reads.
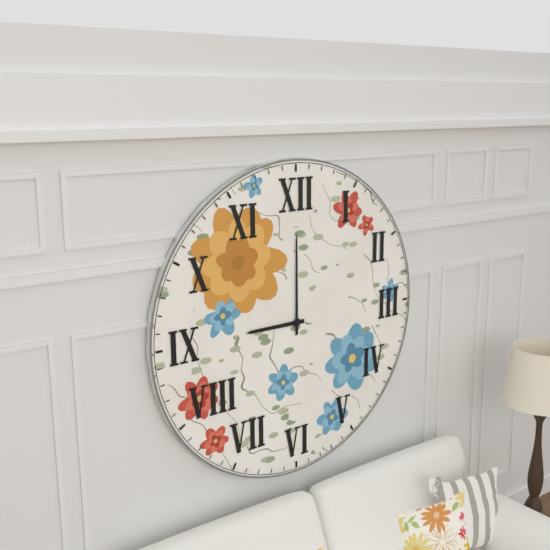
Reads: 9.00
